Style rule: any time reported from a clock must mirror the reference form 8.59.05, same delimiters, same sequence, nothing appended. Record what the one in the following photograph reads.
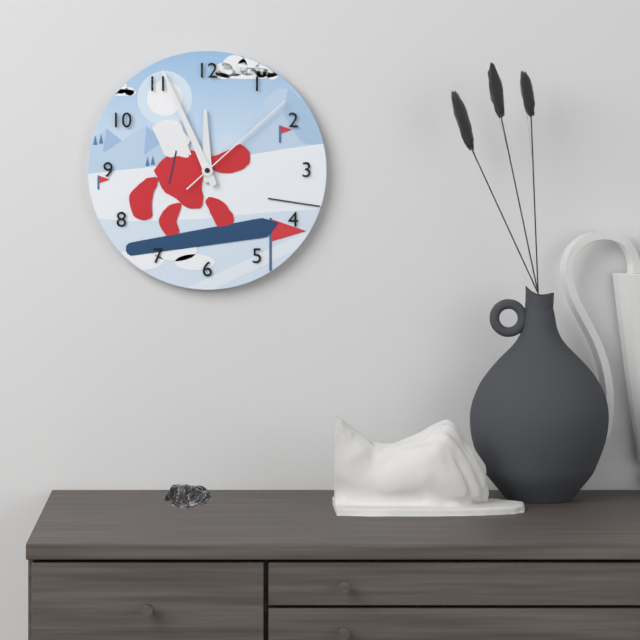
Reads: 11.56.08
